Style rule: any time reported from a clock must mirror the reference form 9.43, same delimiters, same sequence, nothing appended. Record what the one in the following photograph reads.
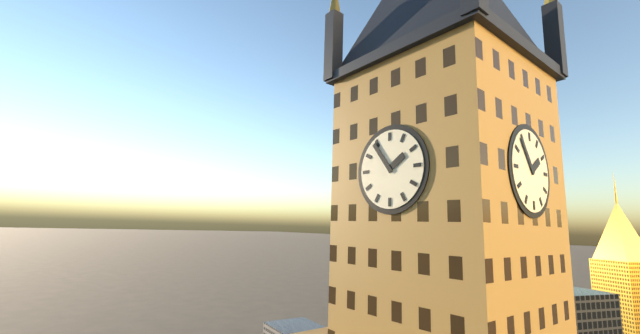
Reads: 1.54
